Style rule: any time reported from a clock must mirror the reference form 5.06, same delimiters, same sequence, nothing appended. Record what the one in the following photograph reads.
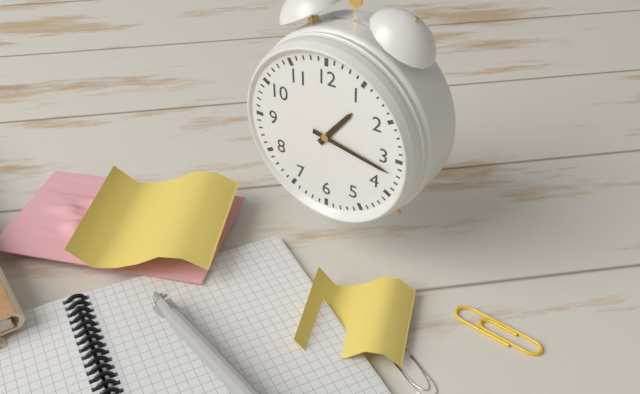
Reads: 1.17
